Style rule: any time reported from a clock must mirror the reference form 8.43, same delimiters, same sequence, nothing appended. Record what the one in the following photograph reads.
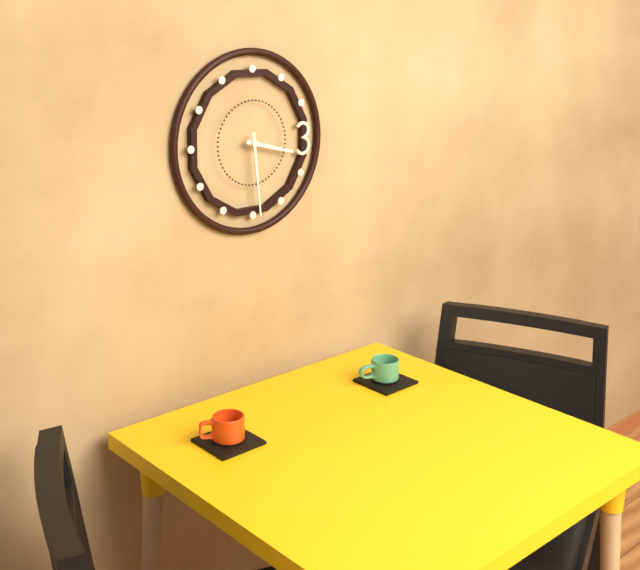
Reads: 3.29
